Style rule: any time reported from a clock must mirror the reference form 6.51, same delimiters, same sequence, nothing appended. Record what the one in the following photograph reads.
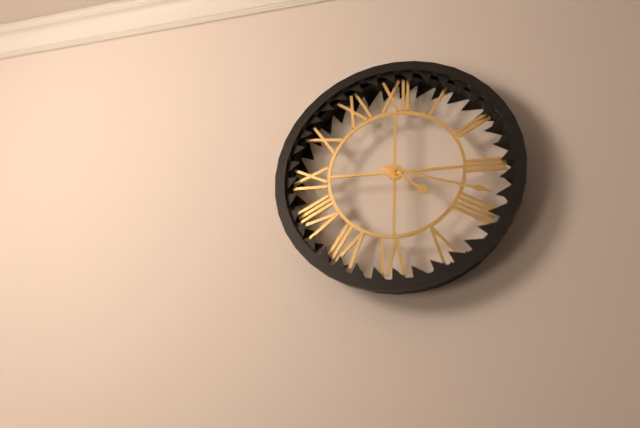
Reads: 4.18
